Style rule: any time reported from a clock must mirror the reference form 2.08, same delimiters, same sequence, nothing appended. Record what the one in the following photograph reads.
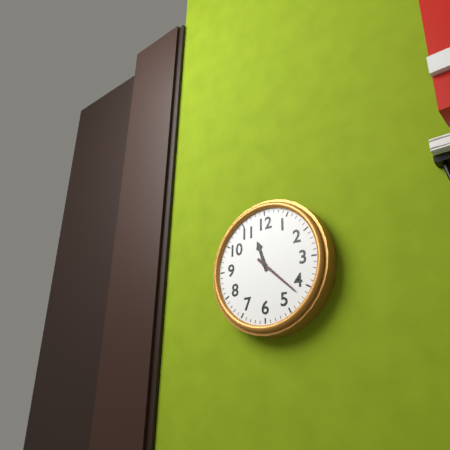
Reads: 11.22
